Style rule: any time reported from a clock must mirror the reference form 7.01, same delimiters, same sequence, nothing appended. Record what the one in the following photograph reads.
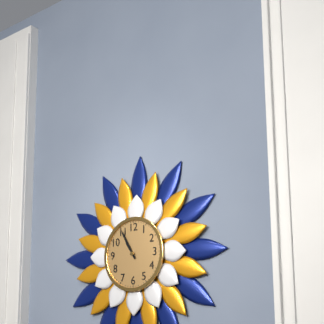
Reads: 10.55
